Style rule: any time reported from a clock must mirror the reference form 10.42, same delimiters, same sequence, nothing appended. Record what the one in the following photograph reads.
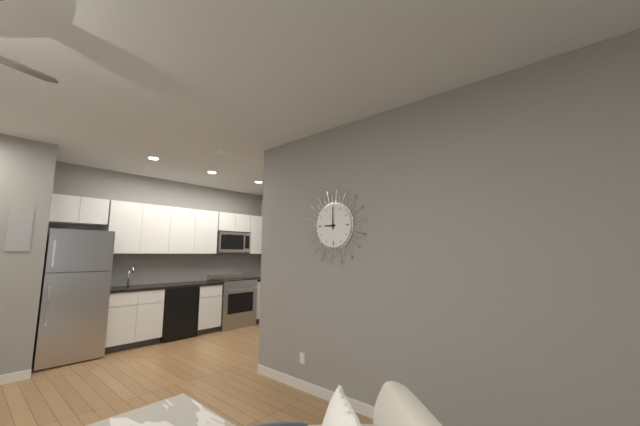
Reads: 9.00
